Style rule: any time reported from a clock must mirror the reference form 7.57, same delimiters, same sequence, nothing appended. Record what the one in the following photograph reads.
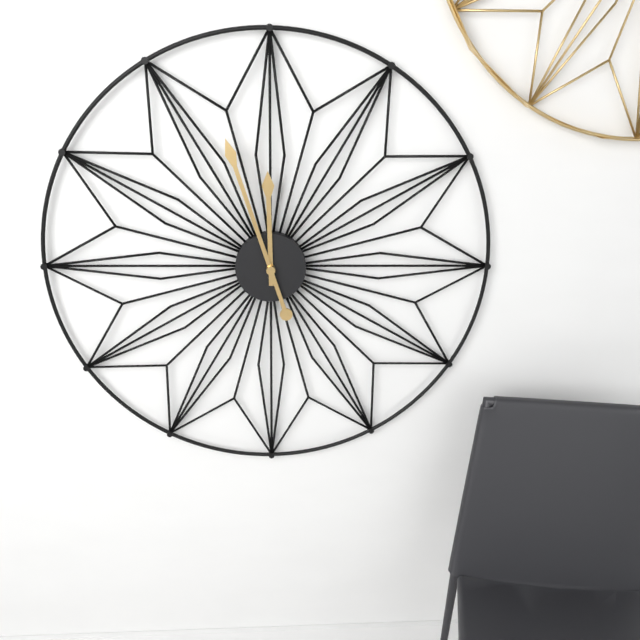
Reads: 11.57
